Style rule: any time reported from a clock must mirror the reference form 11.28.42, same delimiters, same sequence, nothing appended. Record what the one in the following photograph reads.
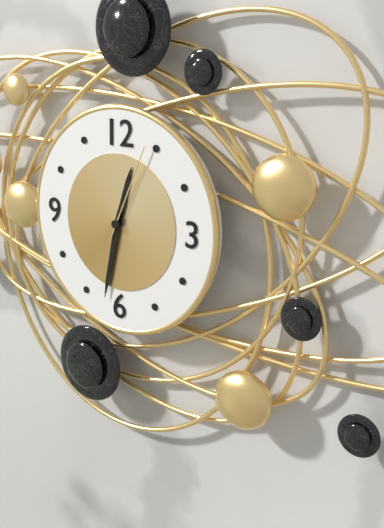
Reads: 12.32.04
